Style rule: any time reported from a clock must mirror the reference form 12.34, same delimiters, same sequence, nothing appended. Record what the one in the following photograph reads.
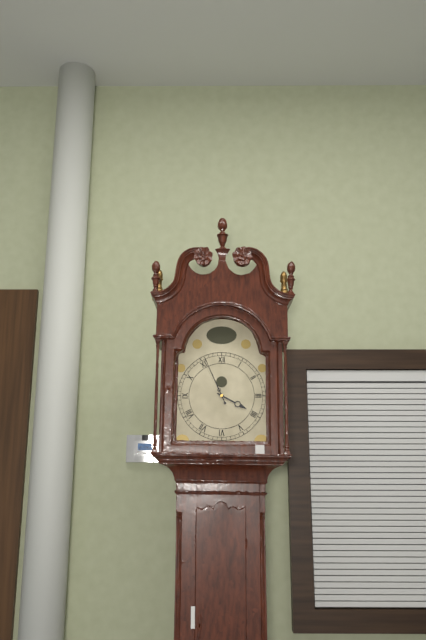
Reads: 3.56
